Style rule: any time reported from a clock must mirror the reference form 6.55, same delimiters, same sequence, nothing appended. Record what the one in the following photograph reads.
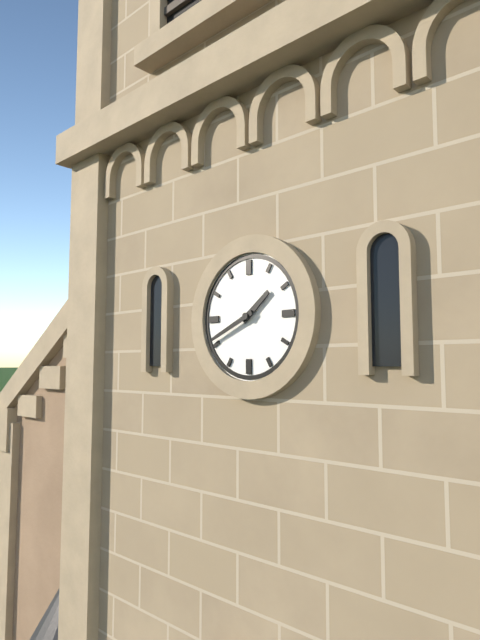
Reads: 1.41
